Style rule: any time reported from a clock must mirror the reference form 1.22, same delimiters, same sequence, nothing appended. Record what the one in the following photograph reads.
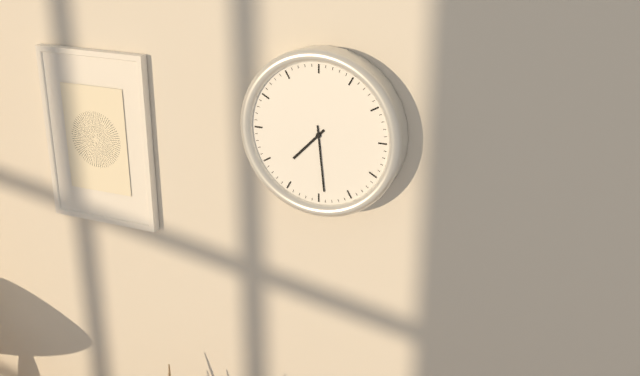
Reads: 7.29
